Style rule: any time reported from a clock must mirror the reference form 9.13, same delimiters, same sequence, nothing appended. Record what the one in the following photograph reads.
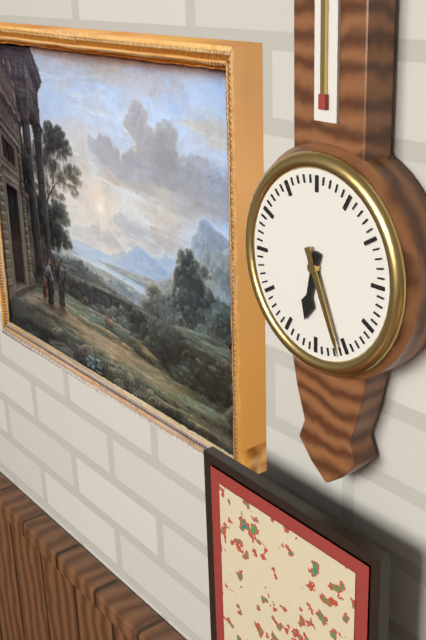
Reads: 6.26
